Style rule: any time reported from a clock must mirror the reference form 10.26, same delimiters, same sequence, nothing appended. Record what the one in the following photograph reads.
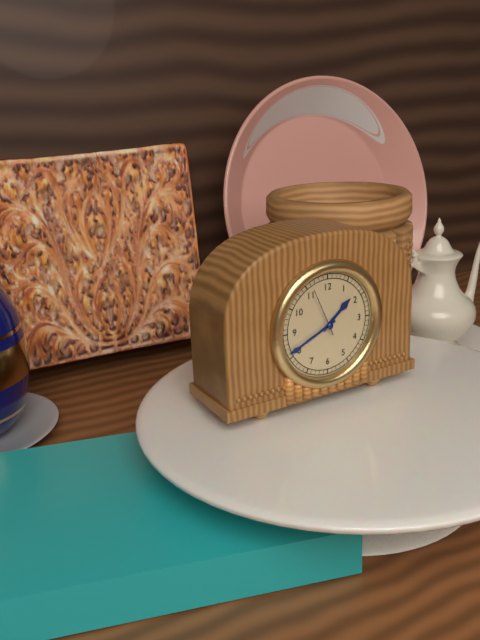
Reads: 1.41
